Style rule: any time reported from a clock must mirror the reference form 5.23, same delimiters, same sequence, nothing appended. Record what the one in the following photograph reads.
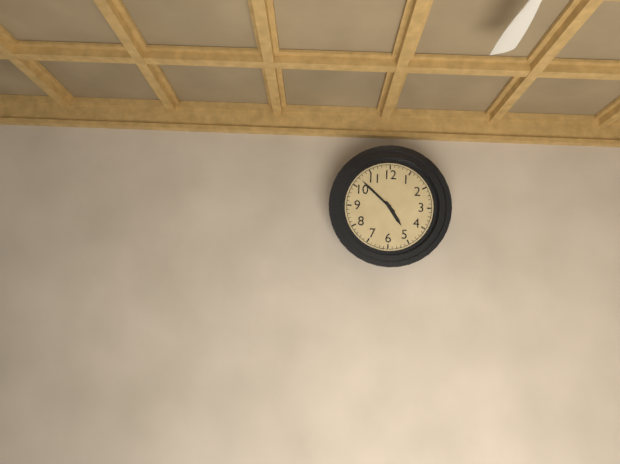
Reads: 4.52
